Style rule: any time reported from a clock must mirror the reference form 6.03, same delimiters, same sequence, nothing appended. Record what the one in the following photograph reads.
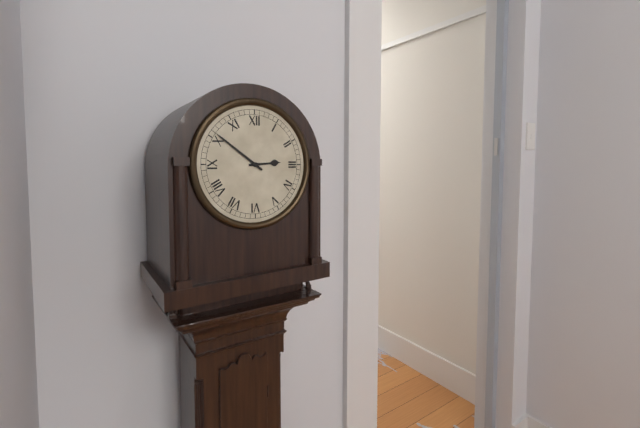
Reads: 2.51
